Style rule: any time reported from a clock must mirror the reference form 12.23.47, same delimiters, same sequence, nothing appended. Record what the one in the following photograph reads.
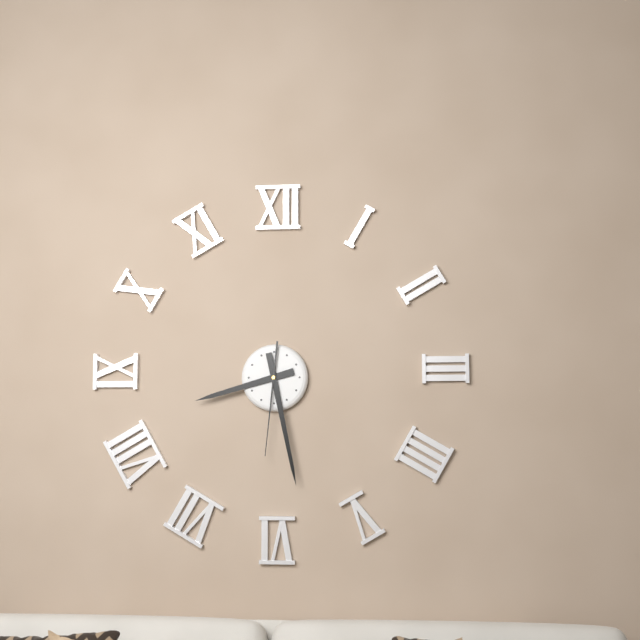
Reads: 8.28.31
